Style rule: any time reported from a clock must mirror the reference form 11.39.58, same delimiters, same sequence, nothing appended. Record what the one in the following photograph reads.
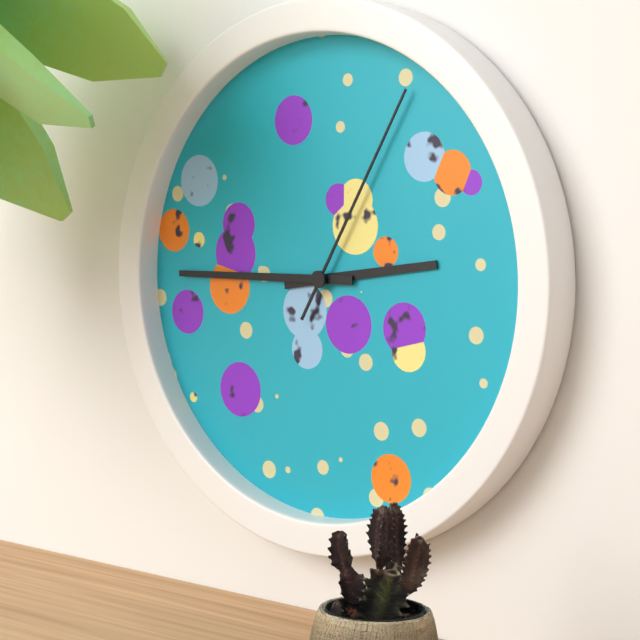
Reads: 2.45.05
